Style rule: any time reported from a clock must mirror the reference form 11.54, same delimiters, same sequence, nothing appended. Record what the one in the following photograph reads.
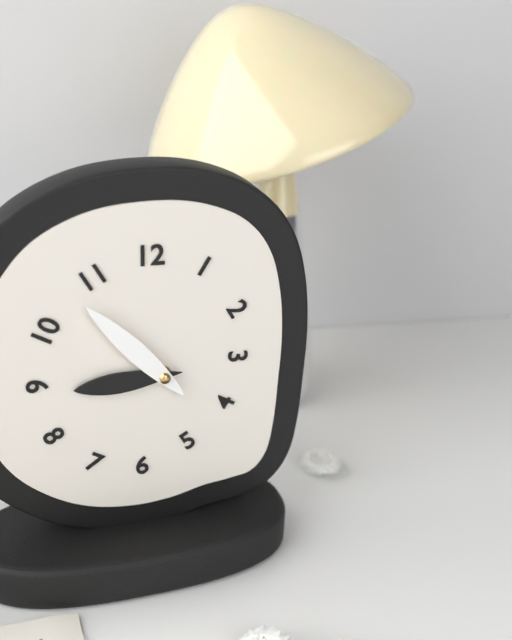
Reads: 8.53
